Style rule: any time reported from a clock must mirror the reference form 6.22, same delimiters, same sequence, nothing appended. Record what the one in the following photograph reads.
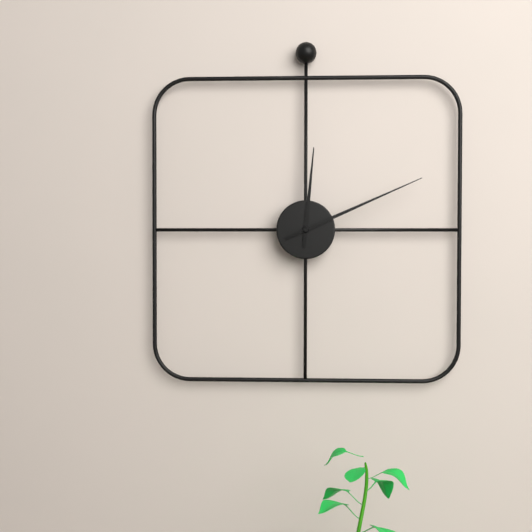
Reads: 12.11
